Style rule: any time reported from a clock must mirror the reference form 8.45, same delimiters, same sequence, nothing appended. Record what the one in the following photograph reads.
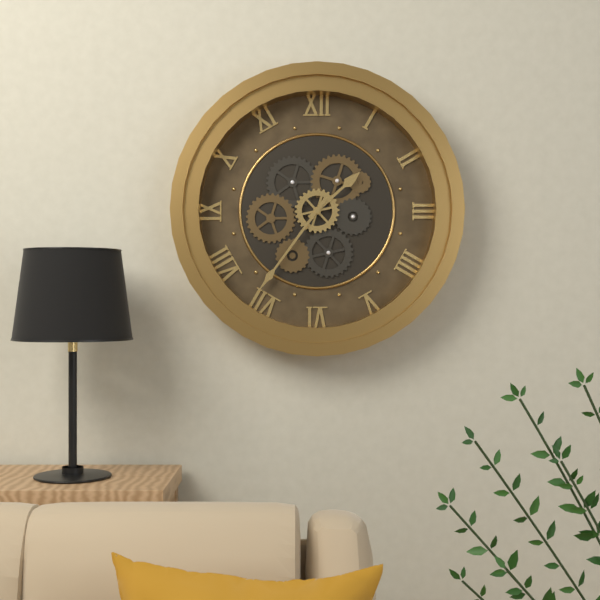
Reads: 1.36
